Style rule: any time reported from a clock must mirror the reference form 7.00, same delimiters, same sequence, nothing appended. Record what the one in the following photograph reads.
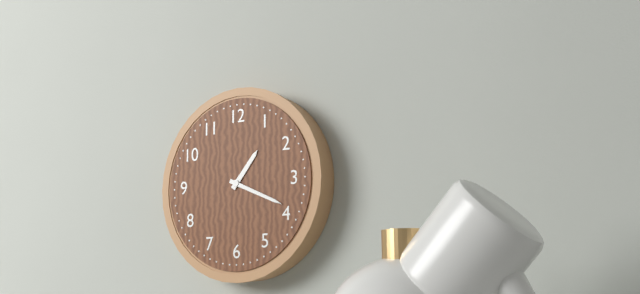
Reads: 1.19
